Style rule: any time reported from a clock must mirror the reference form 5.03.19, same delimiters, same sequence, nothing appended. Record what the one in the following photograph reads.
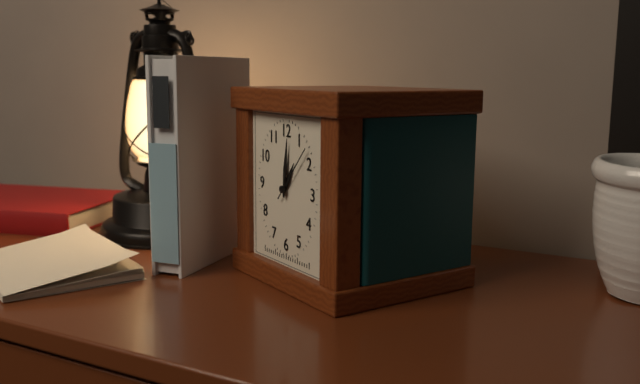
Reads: 1.01.07
